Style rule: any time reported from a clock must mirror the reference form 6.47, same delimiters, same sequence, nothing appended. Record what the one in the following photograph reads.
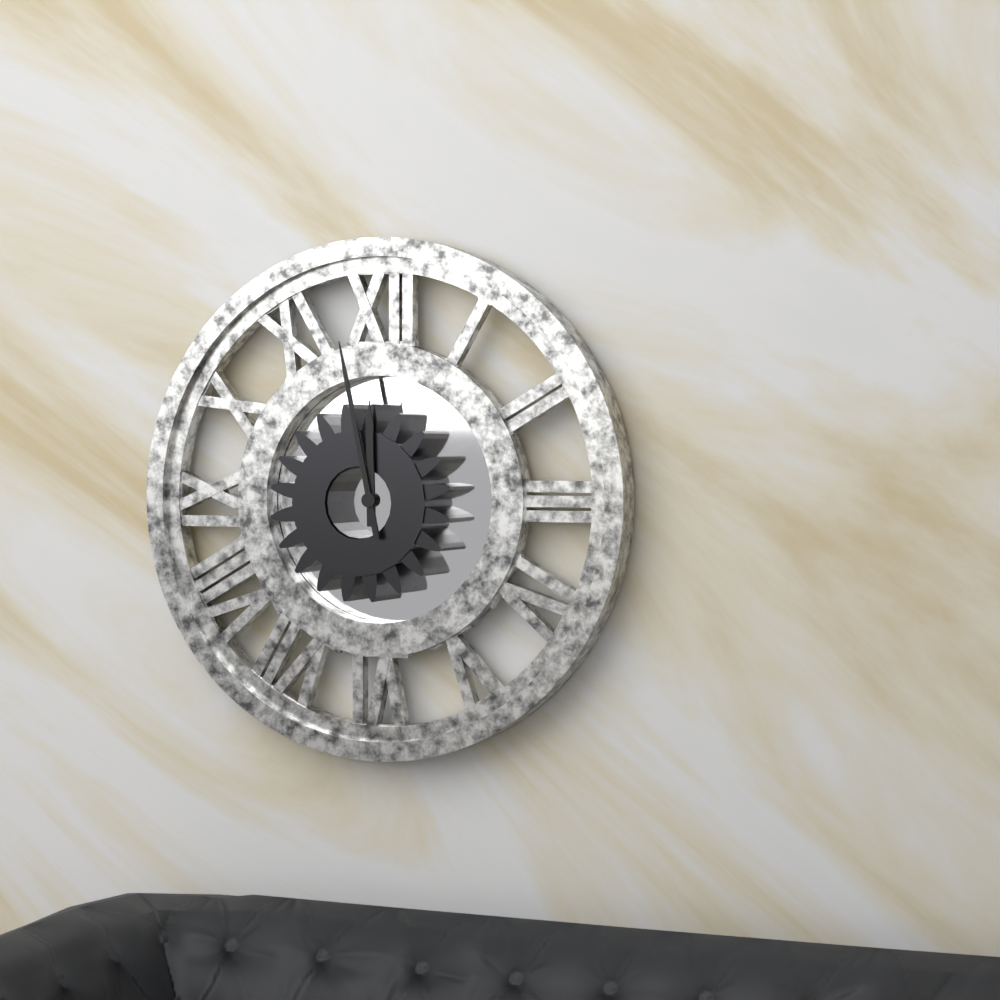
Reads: 11.58
